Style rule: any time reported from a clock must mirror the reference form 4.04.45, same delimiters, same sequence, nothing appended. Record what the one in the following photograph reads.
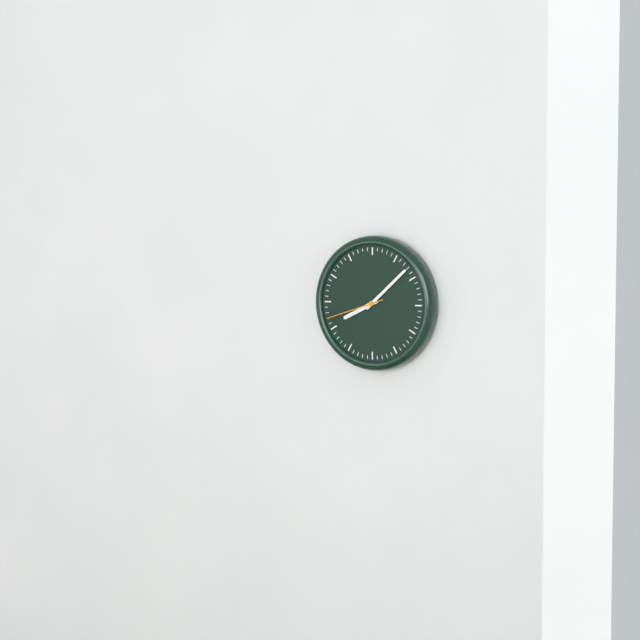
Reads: 8.08.42
